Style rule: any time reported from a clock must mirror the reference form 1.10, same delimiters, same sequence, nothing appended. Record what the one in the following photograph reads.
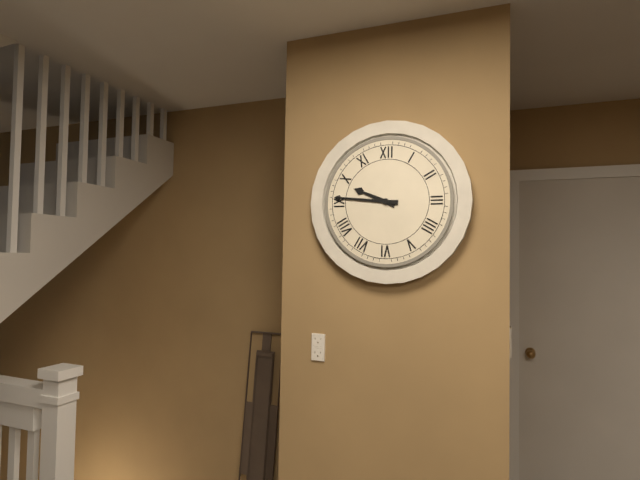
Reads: 9.46
